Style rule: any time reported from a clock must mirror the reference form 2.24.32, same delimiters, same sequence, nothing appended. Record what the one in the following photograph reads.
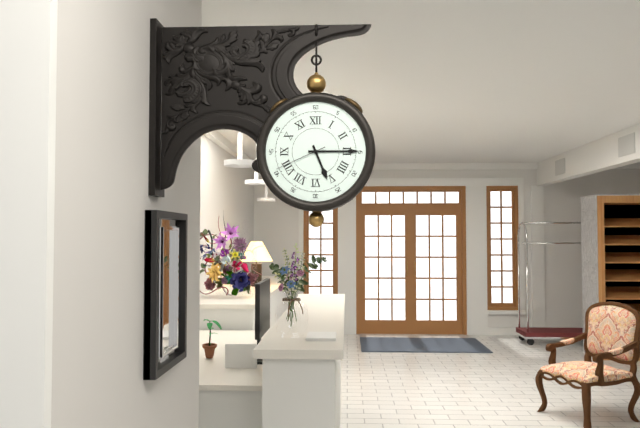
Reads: 5.15.41
